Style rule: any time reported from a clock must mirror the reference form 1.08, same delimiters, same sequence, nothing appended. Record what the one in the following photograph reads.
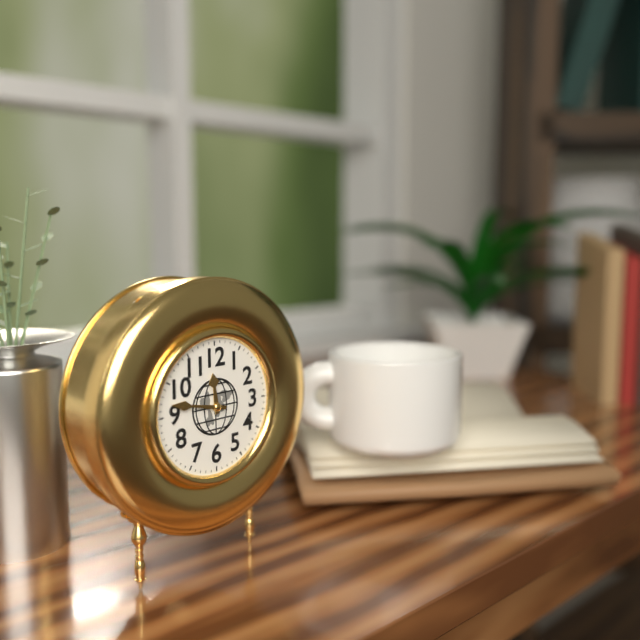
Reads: 11.47
